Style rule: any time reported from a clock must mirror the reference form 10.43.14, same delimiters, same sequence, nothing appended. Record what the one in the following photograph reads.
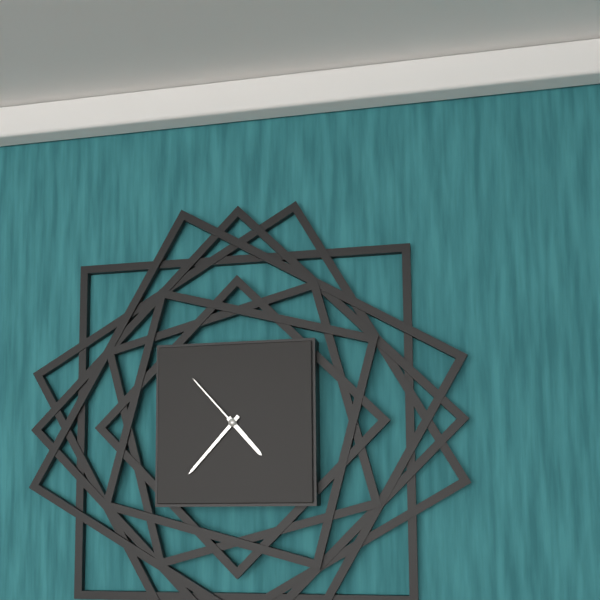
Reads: 4.37.53
